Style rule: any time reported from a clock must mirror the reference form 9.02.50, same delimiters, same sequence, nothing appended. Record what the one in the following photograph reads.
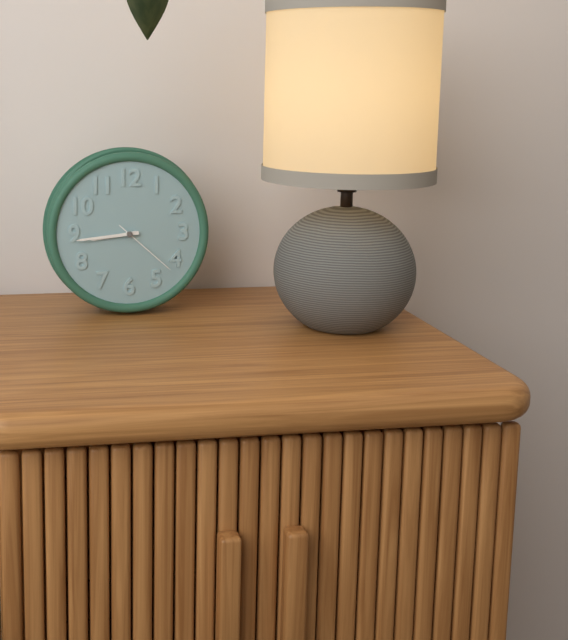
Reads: 8.44.22
